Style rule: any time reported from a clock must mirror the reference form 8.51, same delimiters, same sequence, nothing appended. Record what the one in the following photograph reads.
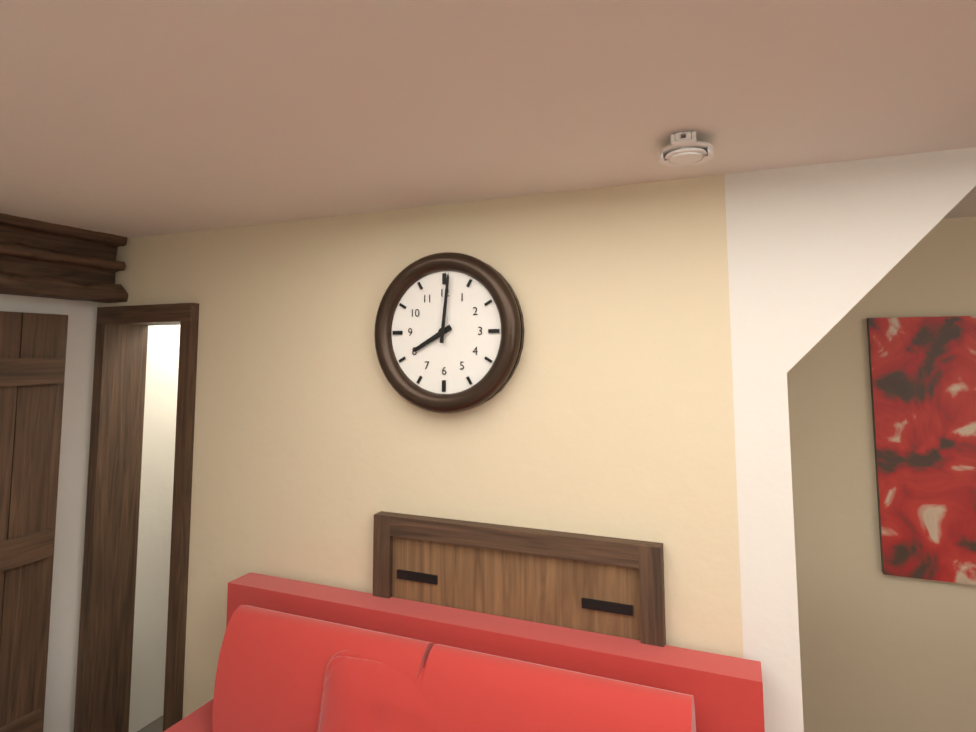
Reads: 8.01
